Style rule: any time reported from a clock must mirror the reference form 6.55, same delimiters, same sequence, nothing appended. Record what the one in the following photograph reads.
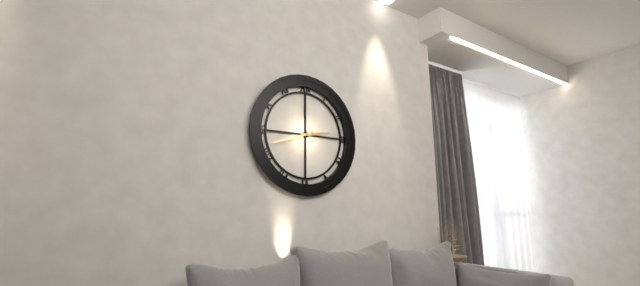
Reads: 2.42
